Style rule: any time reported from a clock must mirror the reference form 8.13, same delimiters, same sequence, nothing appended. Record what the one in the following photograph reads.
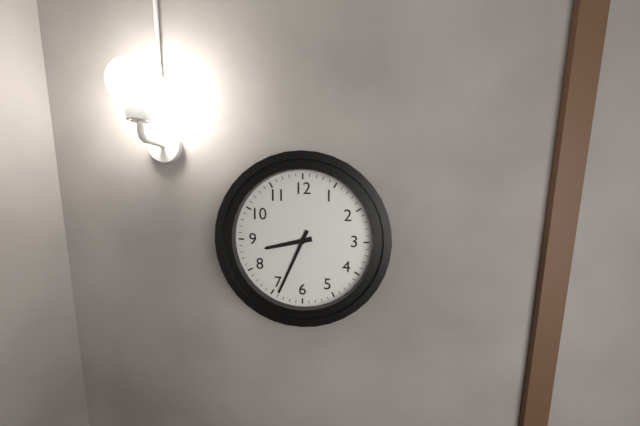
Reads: 8.34
